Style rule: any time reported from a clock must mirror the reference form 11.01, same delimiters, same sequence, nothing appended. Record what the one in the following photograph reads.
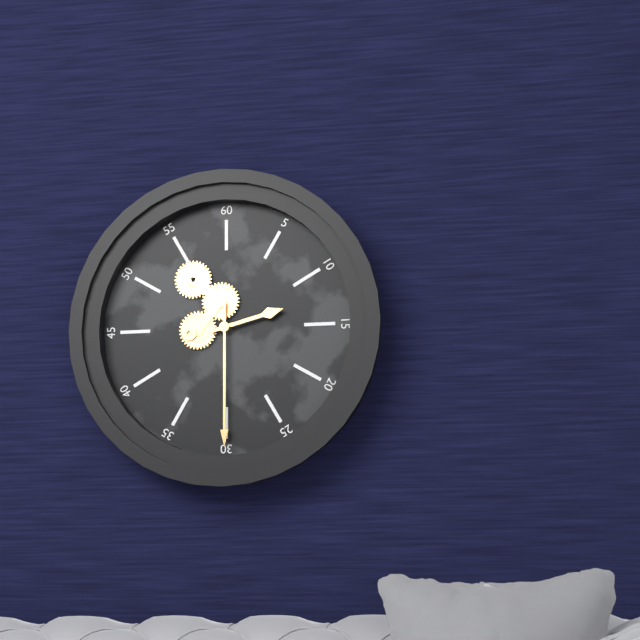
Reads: 2.30
